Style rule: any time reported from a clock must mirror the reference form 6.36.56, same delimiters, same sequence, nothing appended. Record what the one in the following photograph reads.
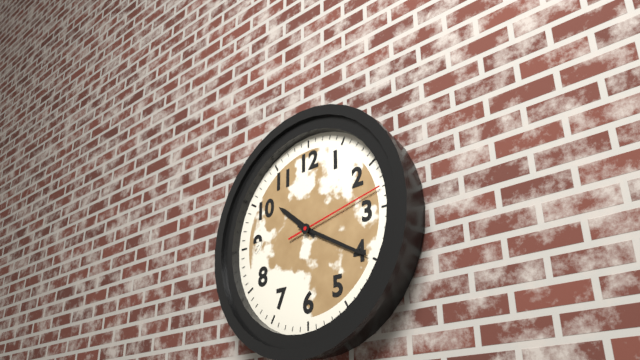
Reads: 10.20.13
